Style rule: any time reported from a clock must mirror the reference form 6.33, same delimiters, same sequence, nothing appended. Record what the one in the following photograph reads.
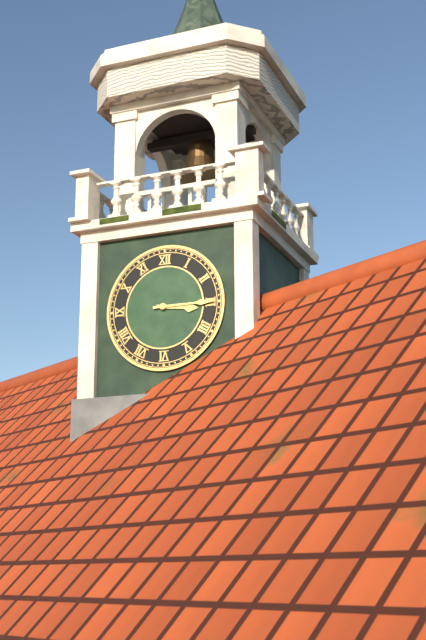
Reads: 3.15
